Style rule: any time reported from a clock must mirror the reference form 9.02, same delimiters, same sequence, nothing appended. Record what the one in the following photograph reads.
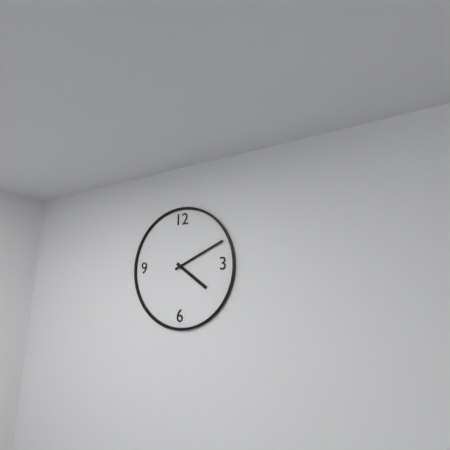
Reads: 4.11
